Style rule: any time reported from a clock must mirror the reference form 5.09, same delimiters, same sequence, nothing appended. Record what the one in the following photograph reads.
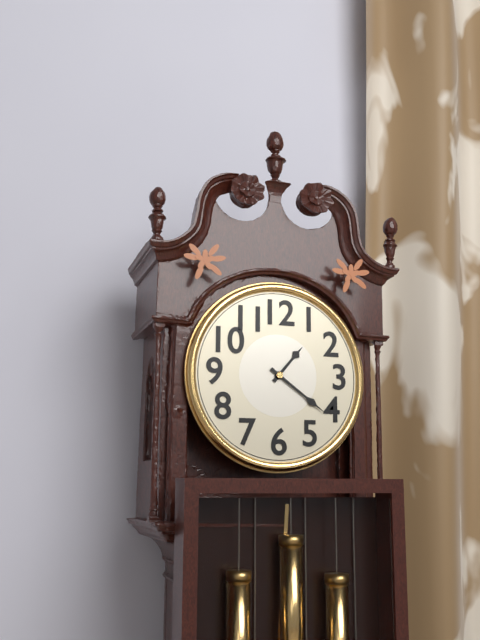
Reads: 1.21
